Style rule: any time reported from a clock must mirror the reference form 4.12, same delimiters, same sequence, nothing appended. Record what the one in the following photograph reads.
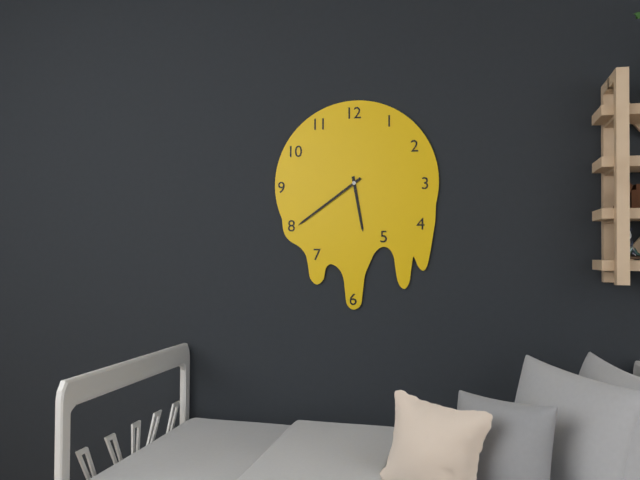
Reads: 5.39
